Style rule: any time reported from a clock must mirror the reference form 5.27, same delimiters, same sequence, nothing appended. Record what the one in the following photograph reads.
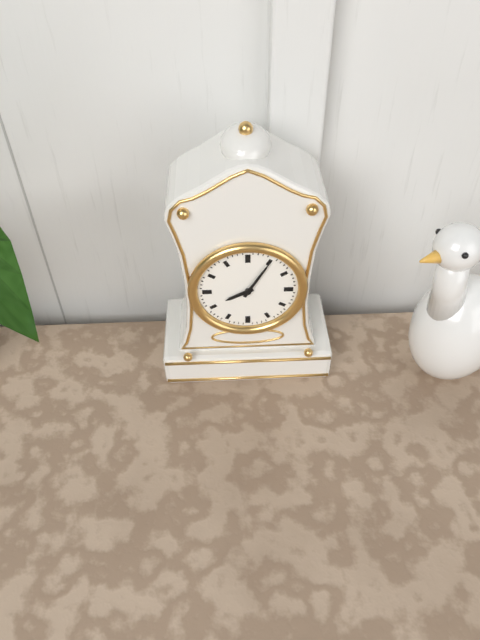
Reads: 8.05
